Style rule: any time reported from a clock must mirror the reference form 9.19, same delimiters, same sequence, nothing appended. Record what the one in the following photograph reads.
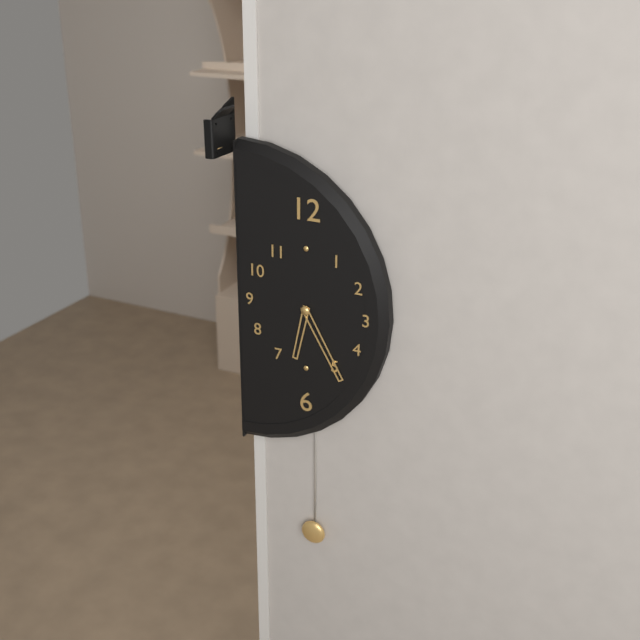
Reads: 6.25
